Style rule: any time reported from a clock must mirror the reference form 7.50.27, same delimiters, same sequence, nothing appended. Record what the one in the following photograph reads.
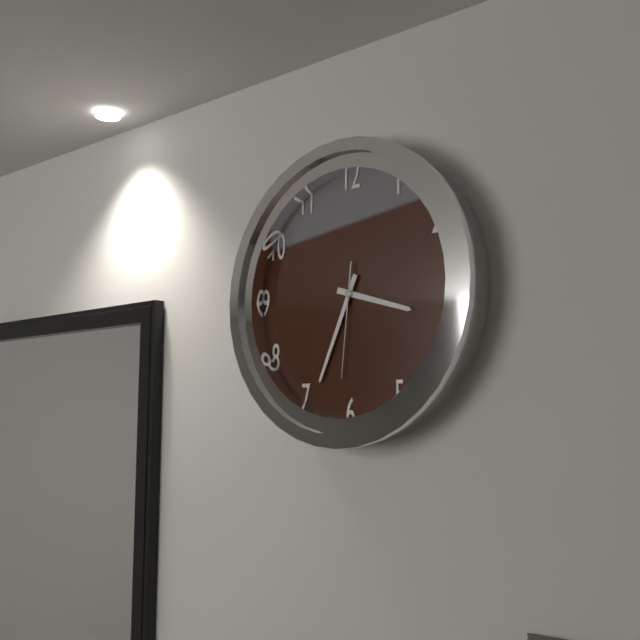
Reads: 3.34.31
